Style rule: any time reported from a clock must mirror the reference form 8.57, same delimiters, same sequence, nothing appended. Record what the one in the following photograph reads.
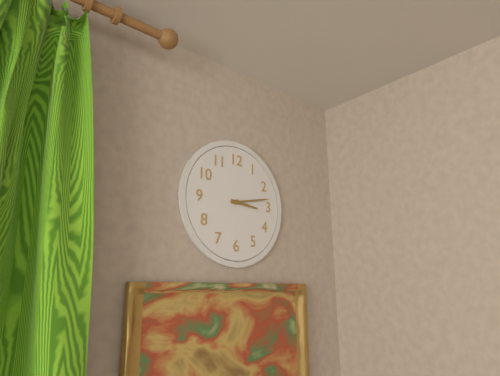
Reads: 3.13
